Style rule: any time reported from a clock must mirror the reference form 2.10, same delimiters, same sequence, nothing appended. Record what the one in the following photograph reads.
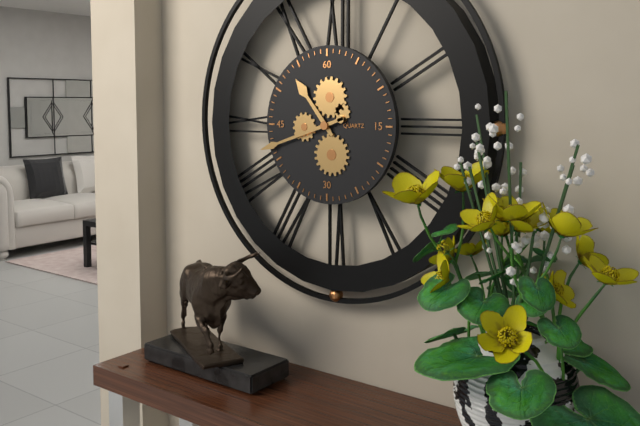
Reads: 10.42
